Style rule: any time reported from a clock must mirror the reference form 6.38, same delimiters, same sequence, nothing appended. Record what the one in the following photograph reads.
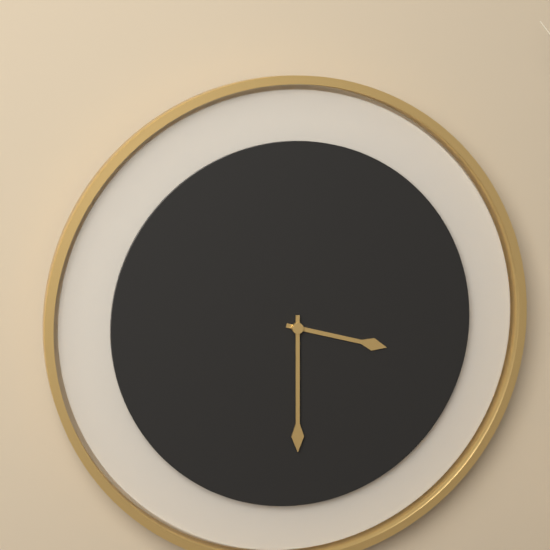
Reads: 3.30
